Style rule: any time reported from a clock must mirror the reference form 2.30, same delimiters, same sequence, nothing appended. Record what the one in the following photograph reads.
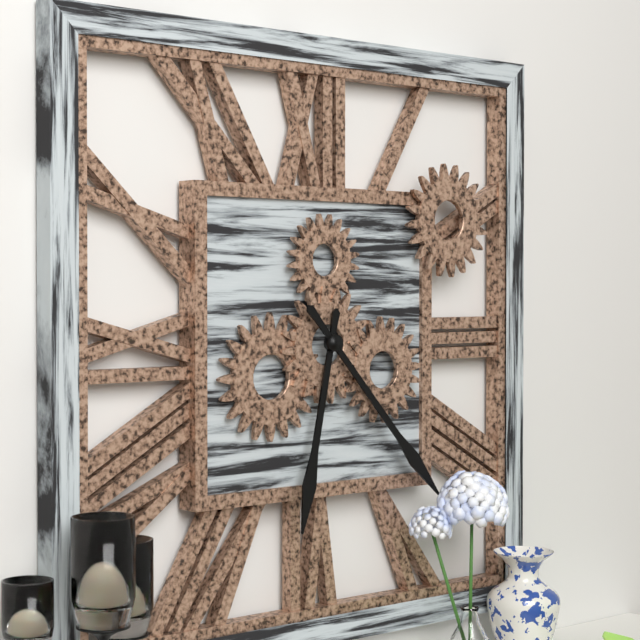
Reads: 6.23
